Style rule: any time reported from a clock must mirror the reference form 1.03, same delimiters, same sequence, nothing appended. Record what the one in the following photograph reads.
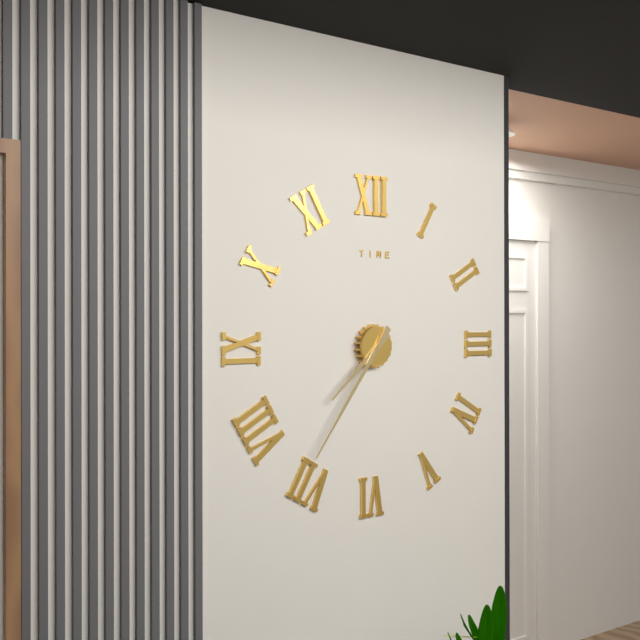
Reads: 7.36
